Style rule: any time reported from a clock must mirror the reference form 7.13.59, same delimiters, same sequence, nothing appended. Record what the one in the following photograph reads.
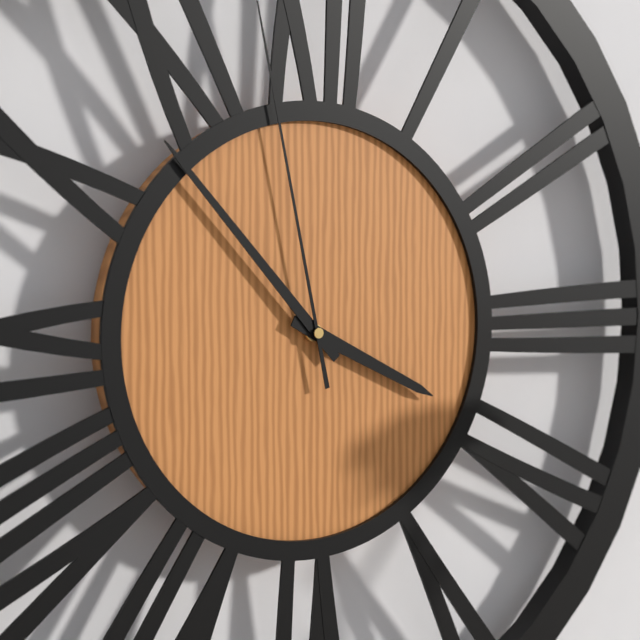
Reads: 3.53.58
